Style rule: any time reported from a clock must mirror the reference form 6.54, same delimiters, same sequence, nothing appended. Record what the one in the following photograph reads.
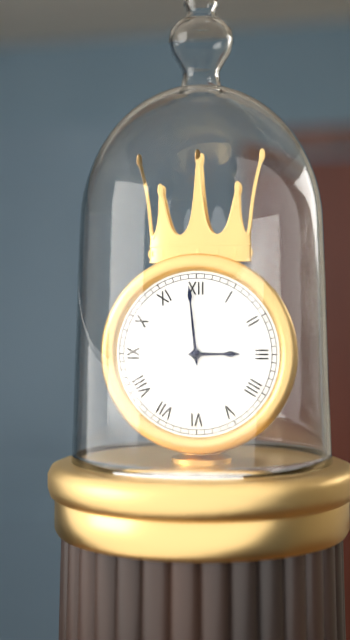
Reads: 2.59
